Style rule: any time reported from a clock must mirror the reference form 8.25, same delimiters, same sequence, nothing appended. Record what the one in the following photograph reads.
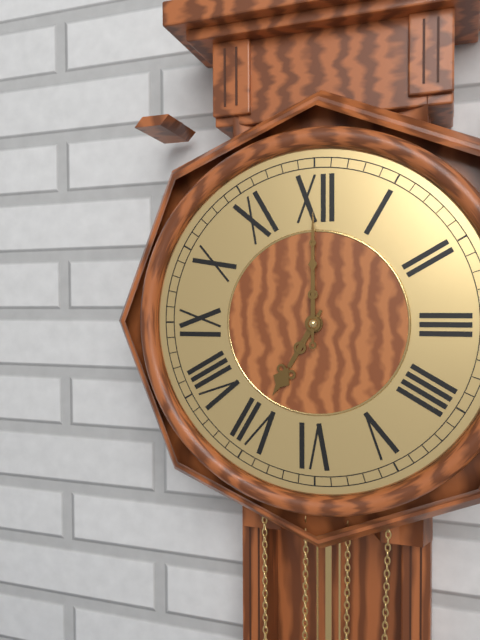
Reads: 7.00
